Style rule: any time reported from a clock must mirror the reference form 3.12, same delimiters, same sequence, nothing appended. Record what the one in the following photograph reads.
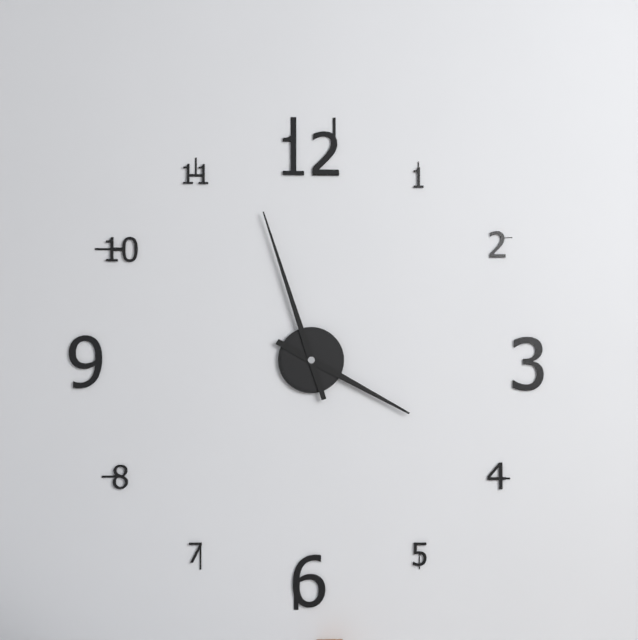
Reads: 3.57
